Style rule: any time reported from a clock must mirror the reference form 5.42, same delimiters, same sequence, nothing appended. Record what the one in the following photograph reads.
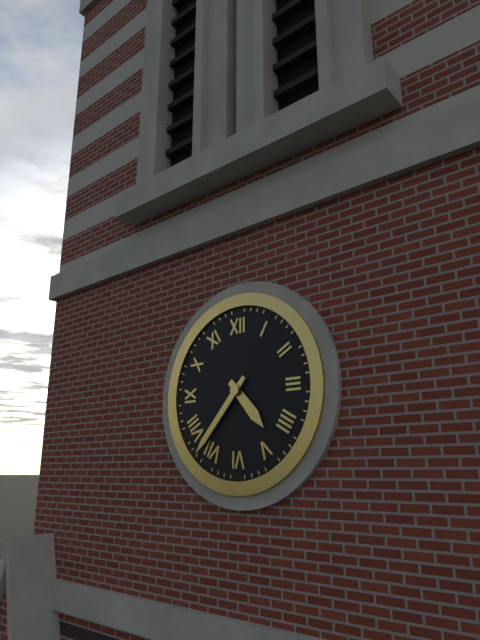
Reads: 4.37
